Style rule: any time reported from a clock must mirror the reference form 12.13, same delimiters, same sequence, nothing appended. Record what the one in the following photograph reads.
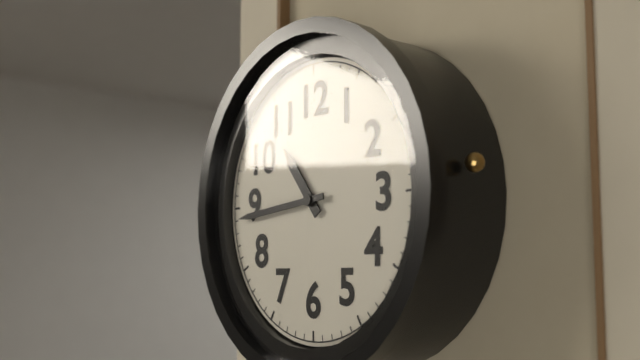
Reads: 10.44
